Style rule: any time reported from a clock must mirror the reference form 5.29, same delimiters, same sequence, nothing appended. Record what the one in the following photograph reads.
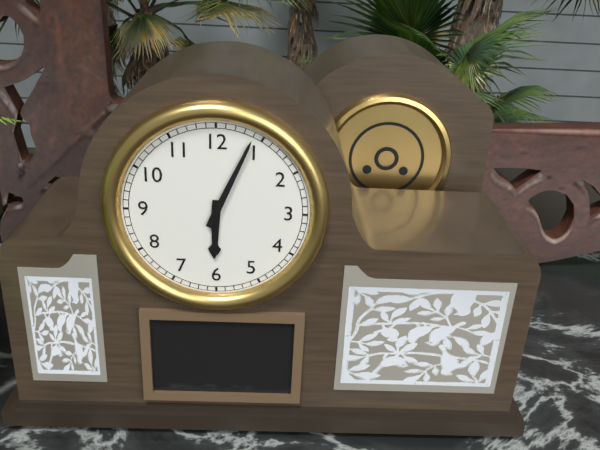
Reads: 6.04
